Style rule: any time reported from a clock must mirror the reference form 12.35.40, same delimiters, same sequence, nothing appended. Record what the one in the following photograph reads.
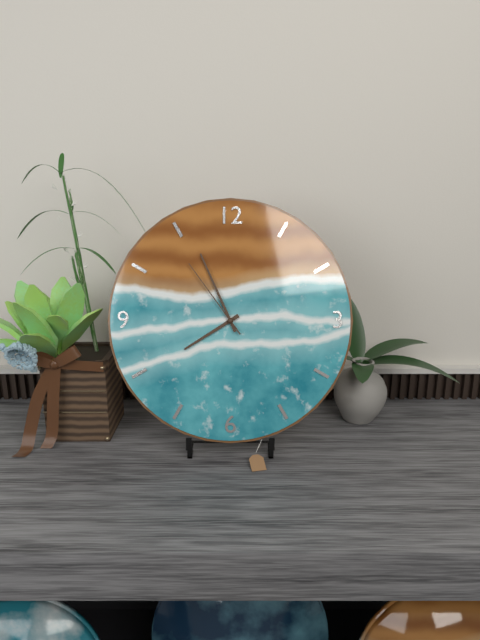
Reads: 7.56.54
